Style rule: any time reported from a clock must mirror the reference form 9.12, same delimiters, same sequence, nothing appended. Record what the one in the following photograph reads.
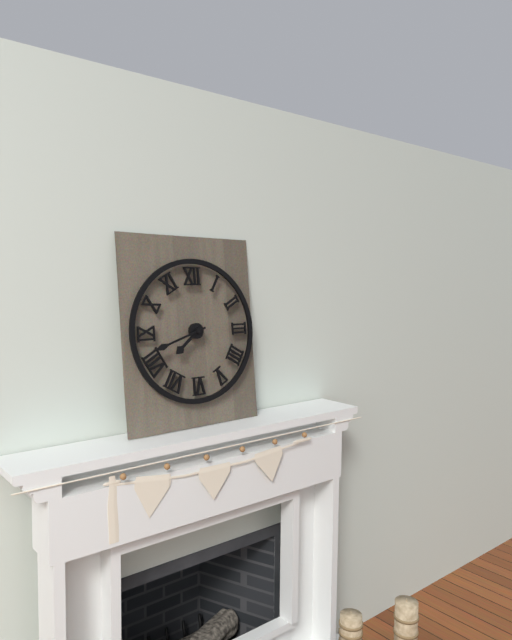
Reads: 7.42
